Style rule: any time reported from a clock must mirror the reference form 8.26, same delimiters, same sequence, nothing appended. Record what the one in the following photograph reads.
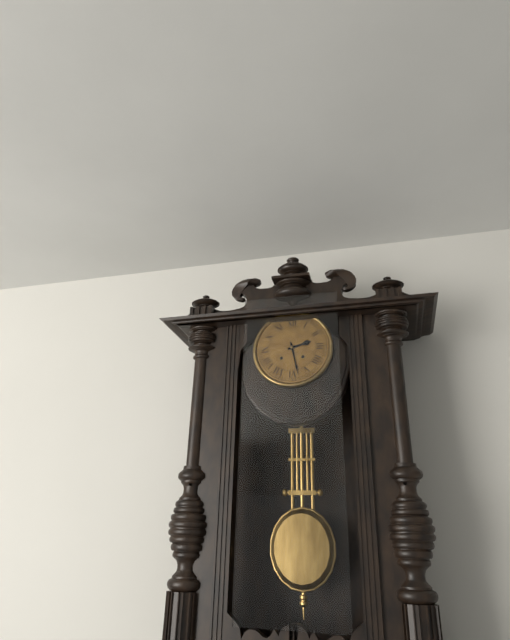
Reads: 2.28
